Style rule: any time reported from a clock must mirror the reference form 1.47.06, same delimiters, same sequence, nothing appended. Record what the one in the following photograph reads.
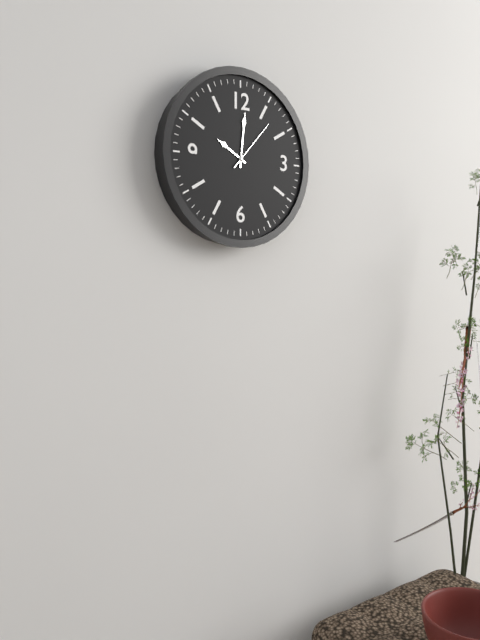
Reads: 10.01.07
